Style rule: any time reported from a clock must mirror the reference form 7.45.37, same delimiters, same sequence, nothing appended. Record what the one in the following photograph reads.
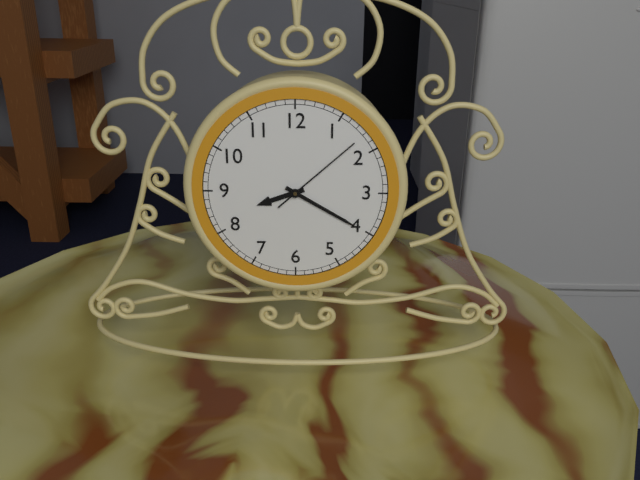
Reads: 8.20.08
